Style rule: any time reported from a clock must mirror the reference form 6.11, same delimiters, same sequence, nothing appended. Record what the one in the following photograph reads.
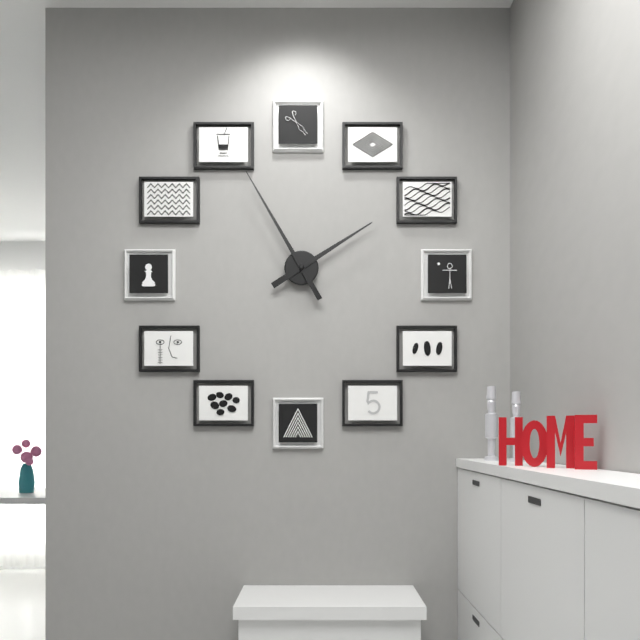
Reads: 1.55
